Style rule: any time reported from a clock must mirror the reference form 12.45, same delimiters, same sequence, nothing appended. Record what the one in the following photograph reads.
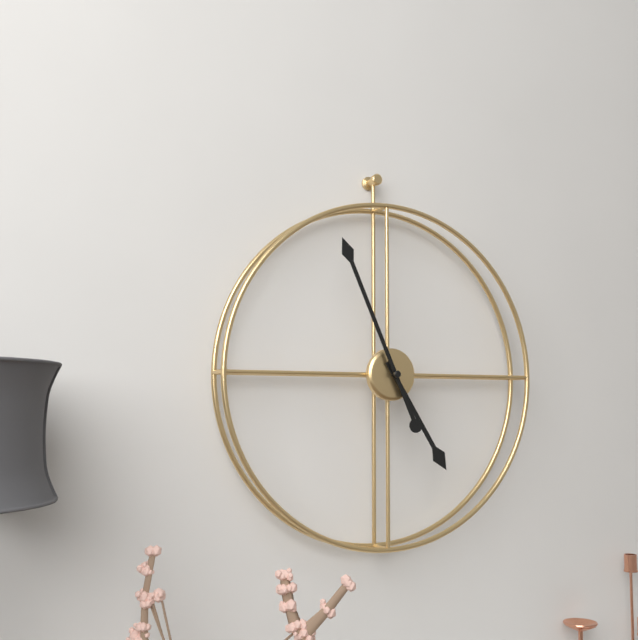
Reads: 4.56
